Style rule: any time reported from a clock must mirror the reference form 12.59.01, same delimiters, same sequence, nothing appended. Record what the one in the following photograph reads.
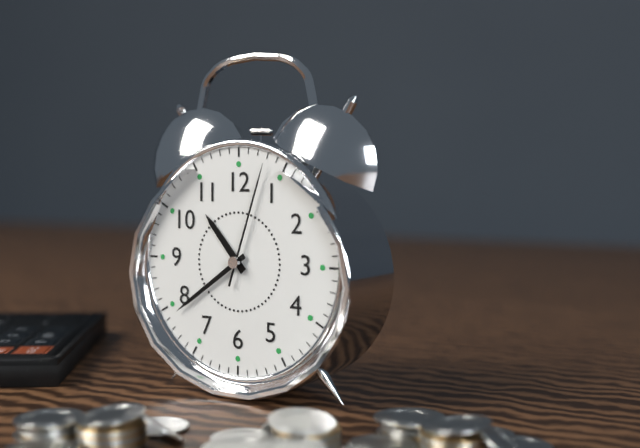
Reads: 10.39.03
